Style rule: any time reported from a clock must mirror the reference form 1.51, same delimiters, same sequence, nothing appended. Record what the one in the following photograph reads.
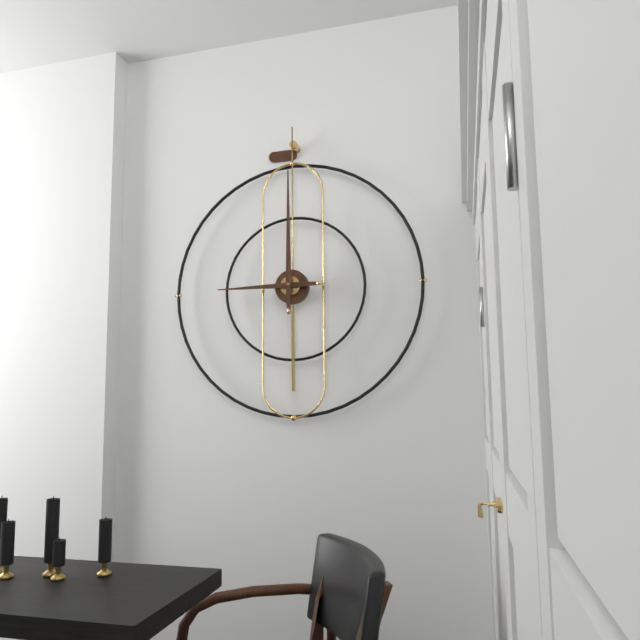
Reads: 9.00
